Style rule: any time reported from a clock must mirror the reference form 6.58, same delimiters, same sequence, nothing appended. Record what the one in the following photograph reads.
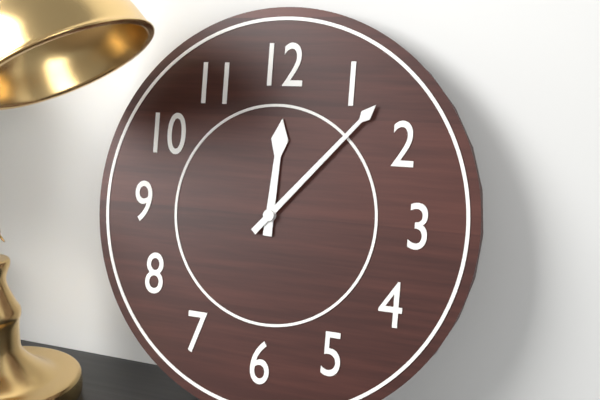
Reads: 12.07
